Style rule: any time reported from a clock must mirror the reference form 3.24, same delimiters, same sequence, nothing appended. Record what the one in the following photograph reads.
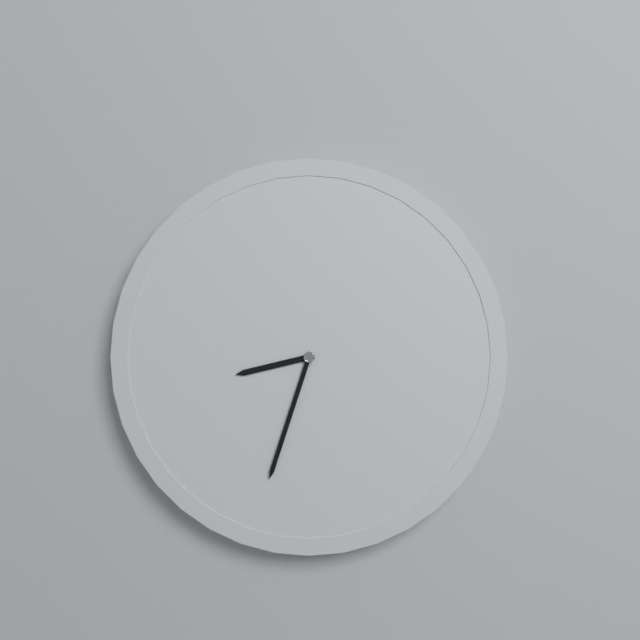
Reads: 8.33
